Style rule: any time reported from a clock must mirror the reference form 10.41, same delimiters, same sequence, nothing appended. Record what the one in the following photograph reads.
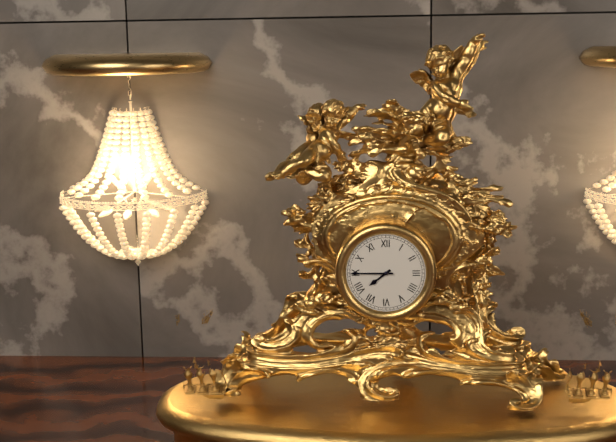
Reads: 7.45
